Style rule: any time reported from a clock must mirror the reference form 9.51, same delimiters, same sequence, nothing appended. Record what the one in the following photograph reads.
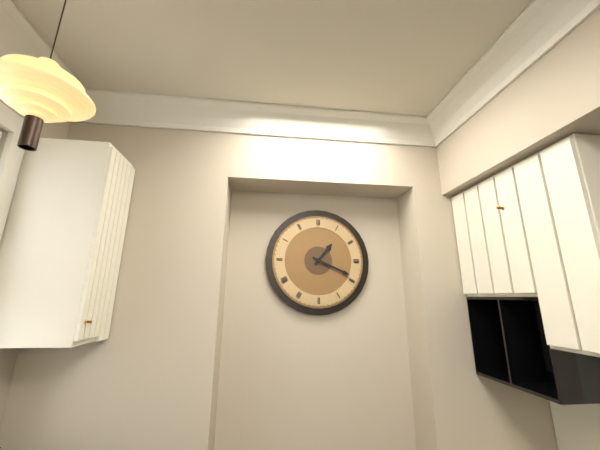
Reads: 1.19
